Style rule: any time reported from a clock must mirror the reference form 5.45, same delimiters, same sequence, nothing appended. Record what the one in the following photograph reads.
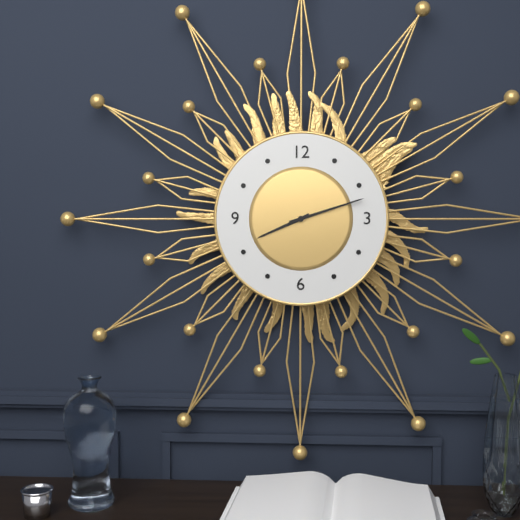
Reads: 8.12
